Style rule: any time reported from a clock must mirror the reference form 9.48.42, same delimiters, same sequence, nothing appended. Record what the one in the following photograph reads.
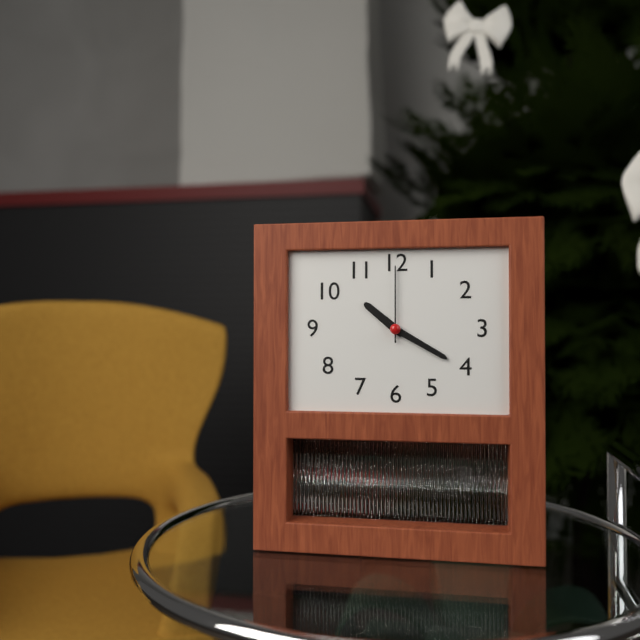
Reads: 10.20.00
